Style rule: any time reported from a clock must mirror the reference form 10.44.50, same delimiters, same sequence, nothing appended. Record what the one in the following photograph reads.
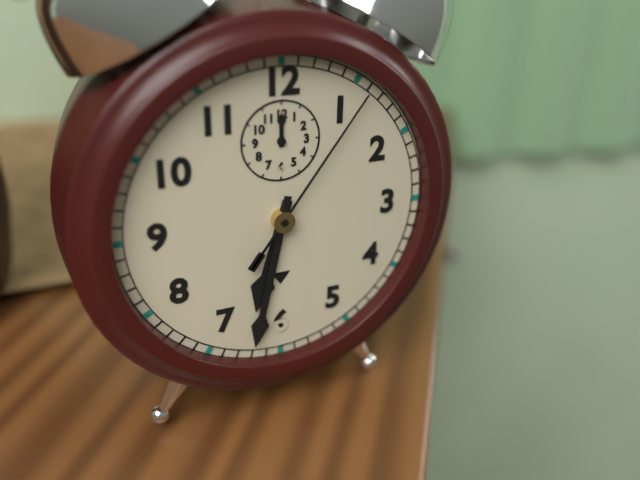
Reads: 6.32.06
